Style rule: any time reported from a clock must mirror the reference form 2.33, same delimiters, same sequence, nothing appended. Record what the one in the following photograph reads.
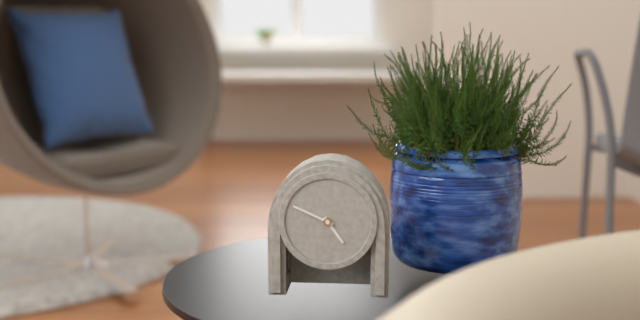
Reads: 4.49
